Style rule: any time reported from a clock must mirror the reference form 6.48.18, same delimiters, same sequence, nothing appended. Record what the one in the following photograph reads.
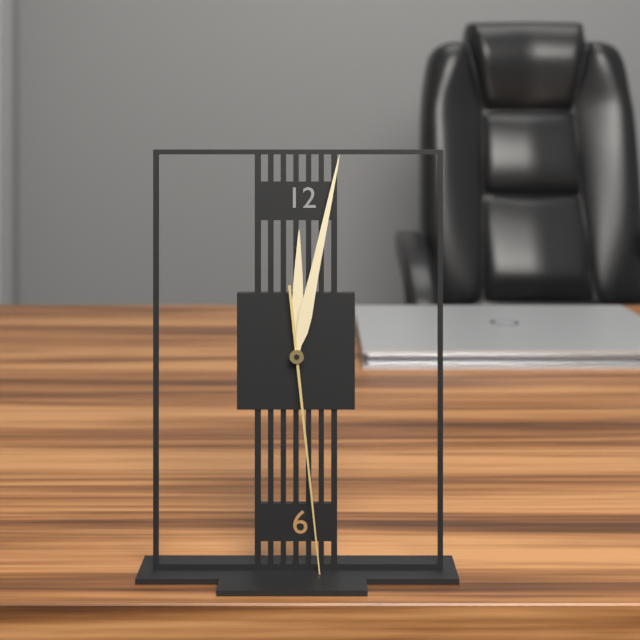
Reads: 12.02.29
